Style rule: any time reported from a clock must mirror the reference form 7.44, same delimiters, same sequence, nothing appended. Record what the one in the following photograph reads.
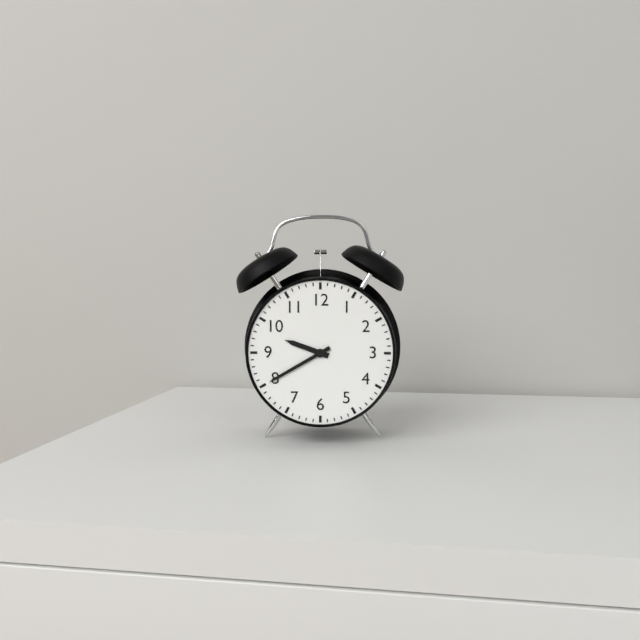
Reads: 9.40
